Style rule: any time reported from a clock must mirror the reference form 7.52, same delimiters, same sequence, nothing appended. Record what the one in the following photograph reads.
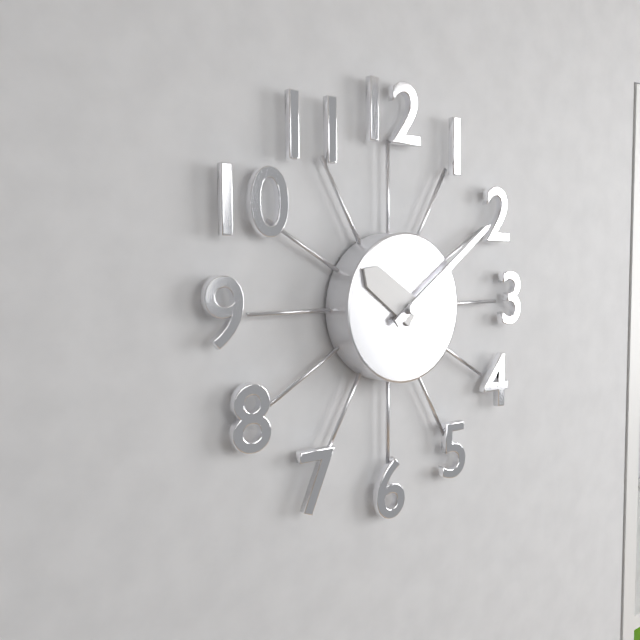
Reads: 10.09
